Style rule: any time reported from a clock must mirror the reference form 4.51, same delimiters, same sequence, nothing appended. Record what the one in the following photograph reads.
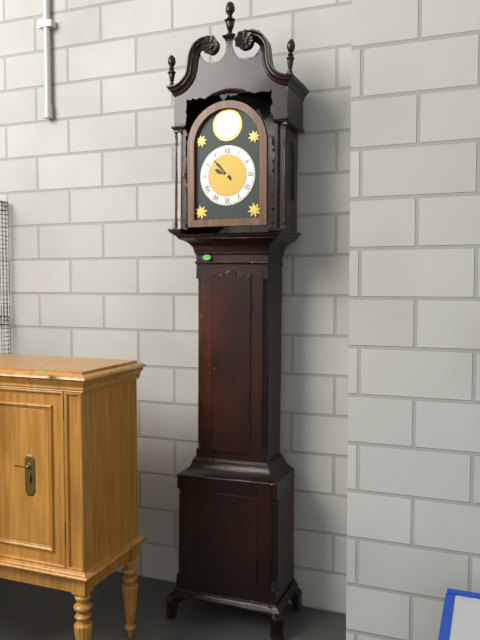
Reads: 9.53
